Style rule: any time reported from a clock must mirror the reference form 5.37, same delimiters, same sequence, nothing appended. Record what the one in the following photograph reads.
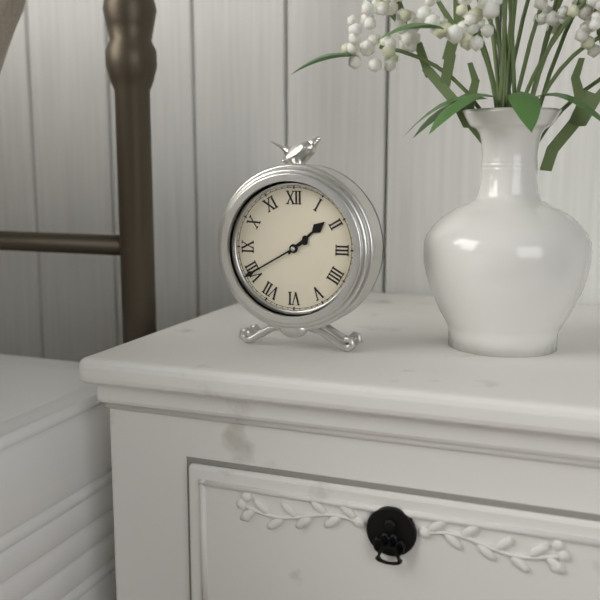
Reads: 1.40
